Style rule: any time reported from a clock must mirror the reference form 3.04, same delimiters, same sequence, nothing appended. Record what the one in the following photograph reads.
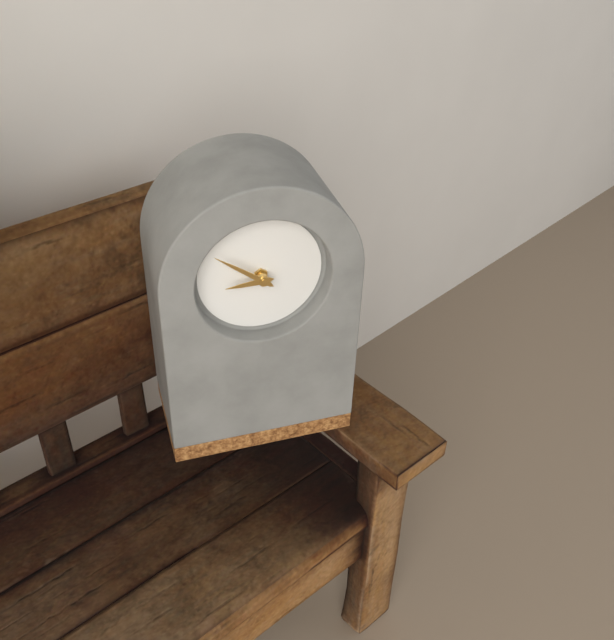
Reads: 8.51
